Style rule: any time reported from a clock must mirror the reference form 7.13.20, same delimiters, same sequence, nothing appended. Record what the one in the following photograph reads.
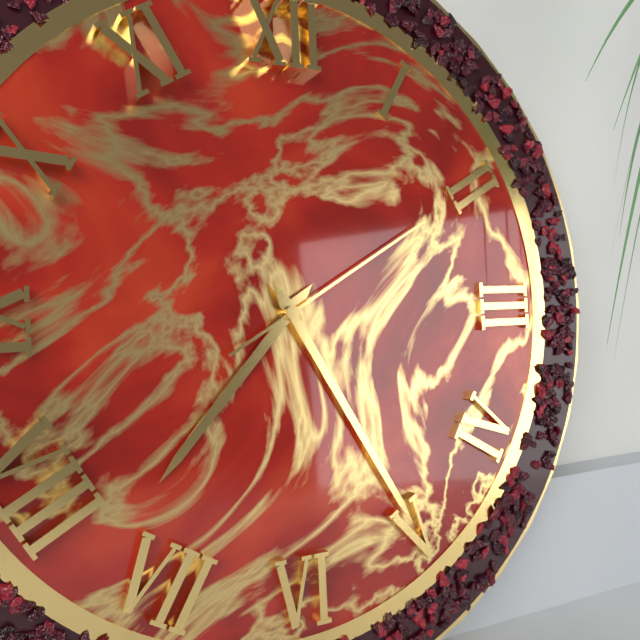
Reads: 7.25.10
